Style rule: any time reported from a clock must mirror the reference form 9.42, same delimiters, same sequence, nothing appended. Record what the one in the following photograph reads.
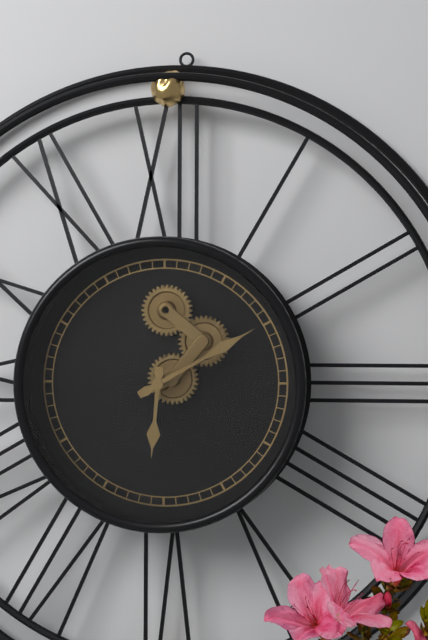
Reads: 6.10
